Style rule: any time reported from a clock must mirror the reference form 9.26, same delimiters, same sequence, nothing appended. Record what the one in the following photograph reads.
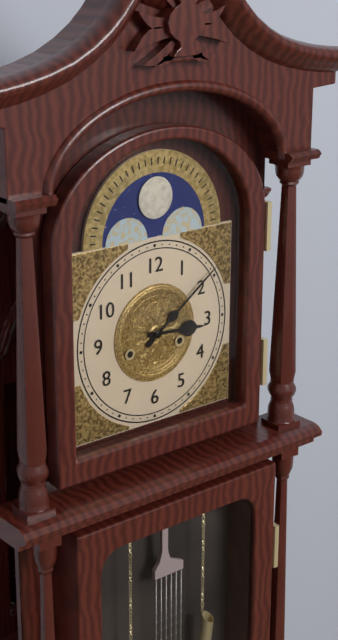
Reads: 3.09
